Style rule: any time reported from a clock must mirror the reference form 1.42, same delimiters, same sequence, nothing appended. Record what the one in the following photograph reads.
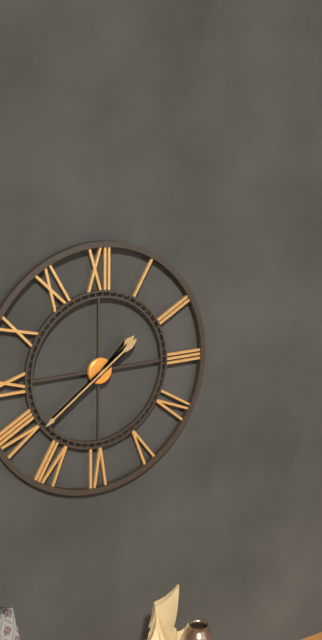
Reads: 1.39
